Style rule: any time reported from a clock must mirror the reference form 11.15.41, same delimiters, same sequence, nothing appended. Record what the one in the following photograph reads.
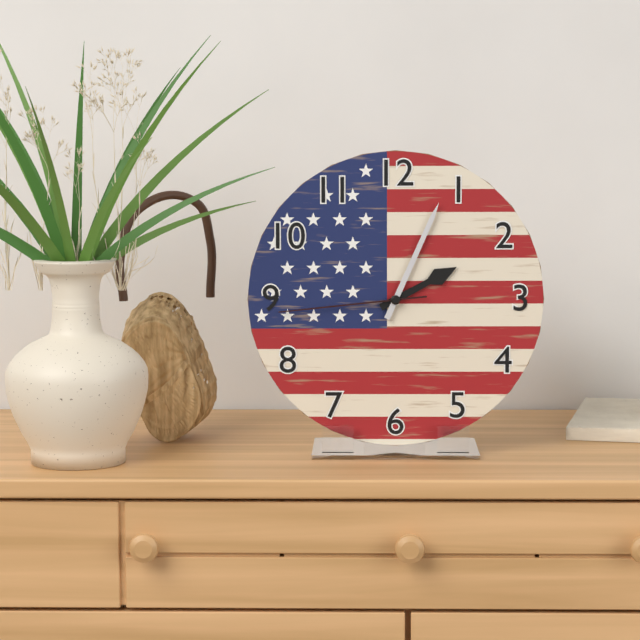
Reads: 2.04.44
